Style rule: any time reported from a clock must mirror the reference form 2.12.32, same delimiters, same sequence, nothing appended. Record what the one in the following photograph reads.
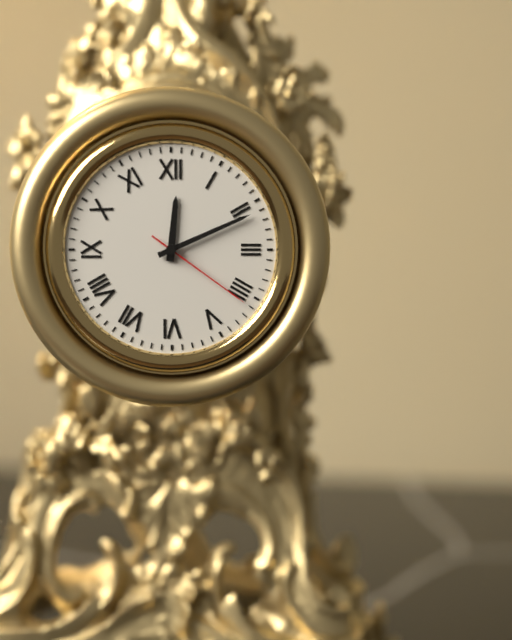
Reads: 12.11.21
